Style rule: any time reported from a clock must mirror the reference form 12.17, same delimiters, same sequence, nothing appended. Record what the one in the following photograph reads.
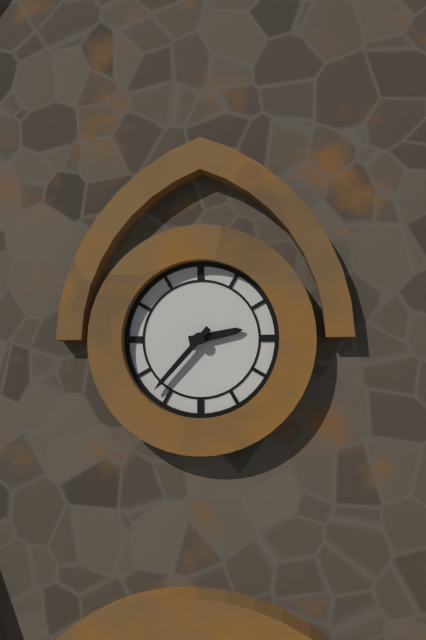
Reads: 2.37
